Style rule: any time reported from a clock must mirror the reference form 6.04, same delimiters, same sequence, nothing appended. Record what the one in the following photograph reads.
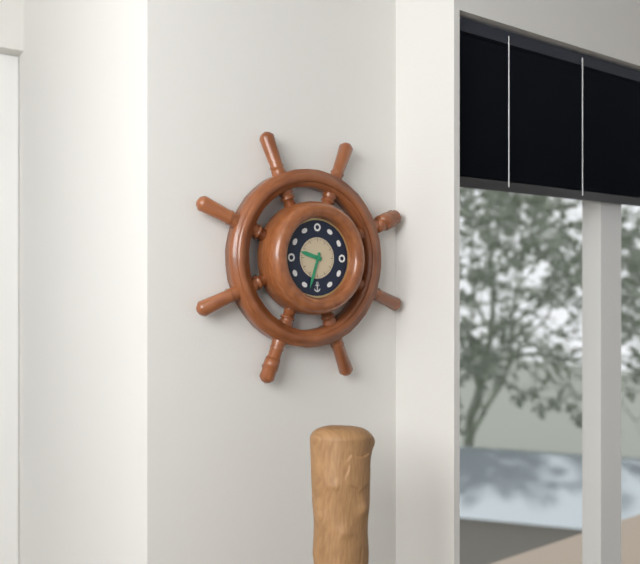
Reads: 9.33
